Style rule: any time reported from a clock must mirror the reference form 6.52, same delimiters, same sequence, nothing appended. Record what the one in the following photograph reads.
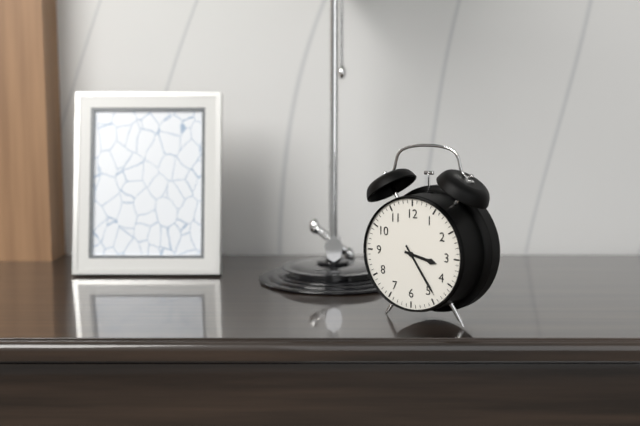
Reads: 3.24
